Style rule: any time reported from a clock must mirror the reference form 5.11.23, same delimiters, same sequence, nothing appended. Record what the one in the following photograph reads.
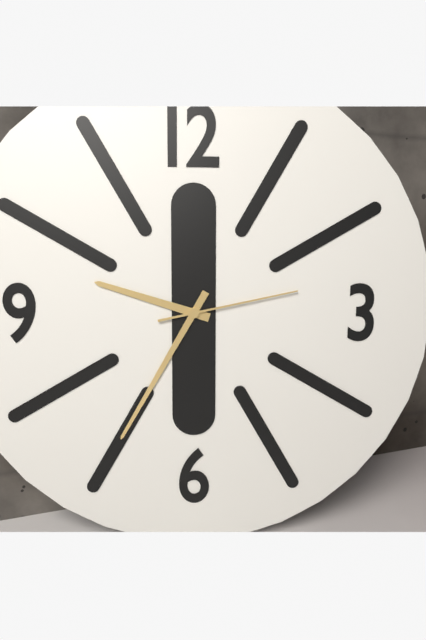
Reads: 9.35.13
